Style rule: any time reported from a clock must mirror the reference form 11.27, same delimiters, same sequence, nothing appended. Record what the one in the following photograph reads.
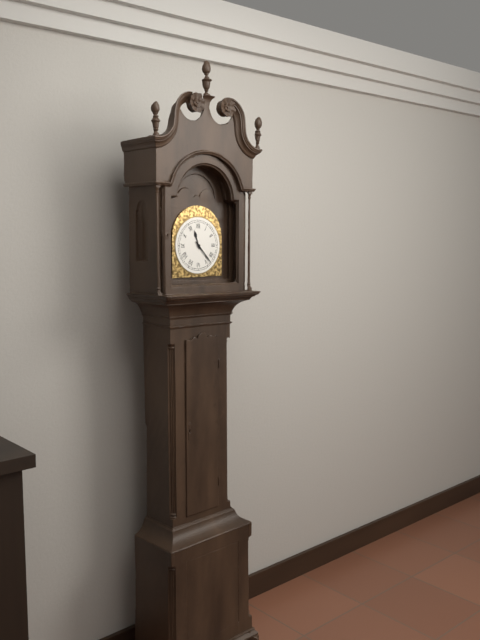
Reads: 11.23
